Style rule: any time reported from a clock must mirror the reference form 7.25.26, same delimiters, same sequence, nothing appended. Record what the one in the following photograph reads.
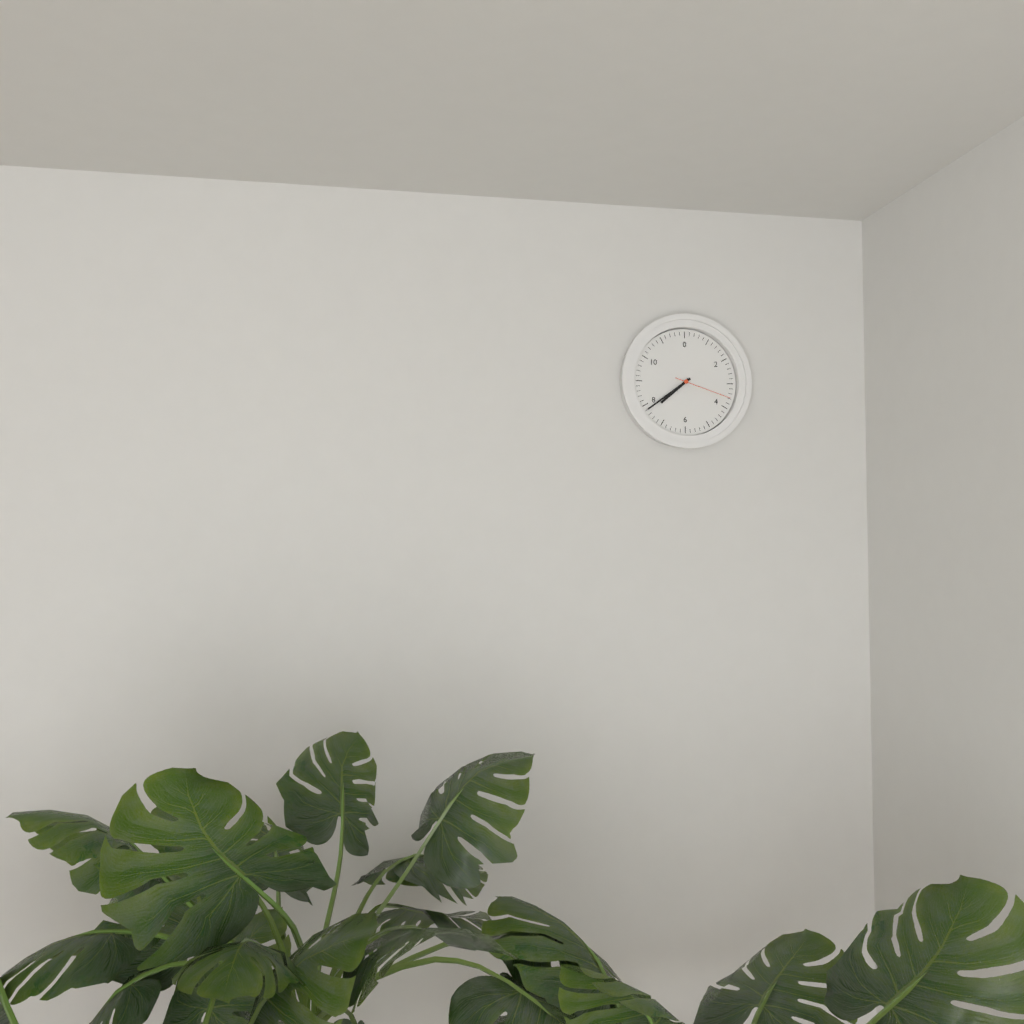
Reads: 7.39.18
